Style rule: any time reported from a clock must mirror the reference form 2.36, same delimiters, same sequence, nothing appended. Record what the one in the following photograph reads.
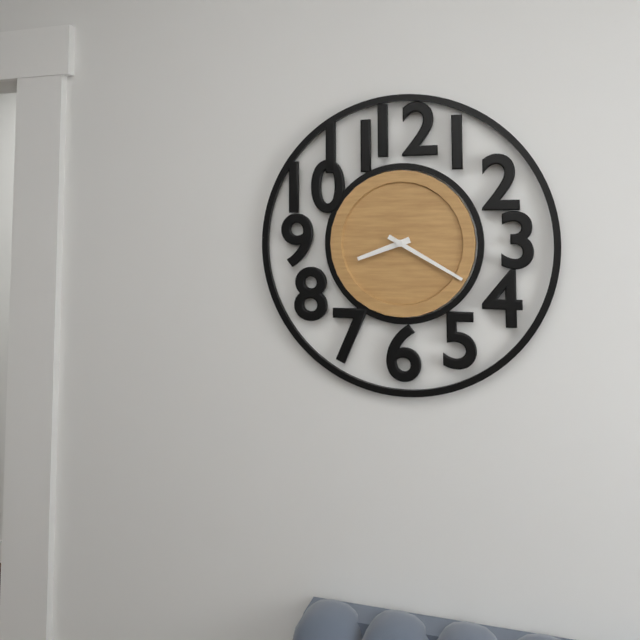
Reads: 8.20
